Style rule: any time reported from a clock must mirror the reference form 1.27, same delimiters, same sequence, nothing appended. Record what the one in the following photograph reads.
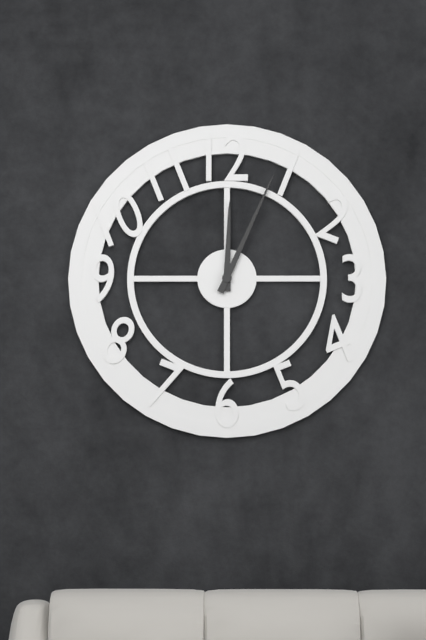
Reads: 12.04
